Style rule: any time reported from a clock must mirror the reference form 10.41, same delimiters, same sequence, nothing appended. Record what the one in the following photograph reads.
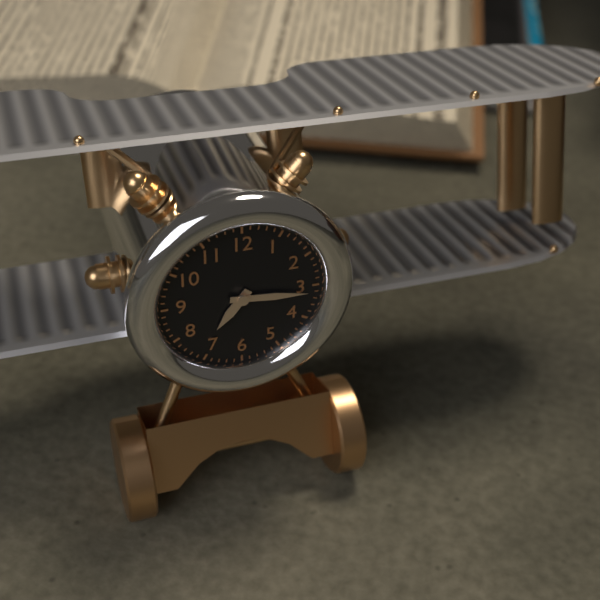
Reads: 7.16
